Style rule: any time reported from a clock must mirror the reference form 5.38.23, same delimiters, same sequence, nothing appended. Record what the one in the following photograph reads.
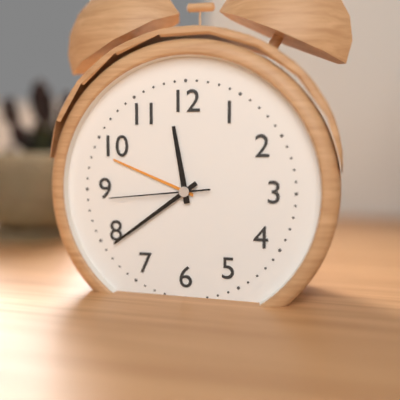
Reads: 11.39.44
